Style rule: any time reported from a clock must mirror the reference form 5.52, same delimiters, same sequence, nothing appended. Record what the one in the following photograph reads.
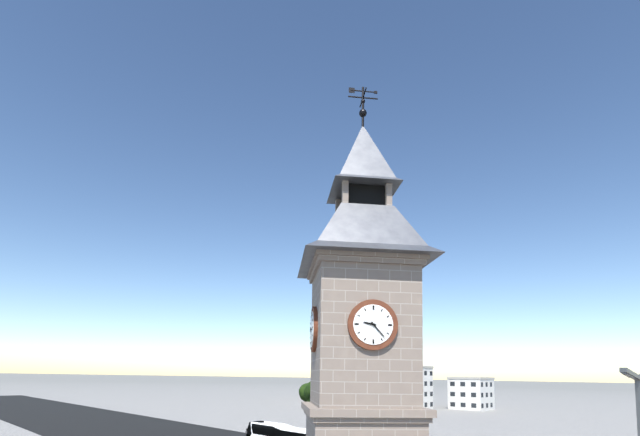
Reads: 9.23
